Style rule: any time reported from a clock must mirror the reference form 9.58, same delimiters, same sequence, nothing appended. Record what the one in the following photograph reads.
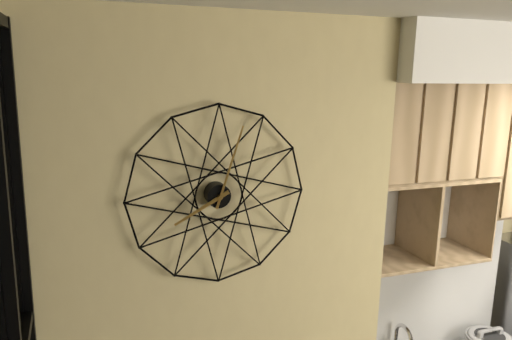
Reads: 8.03
